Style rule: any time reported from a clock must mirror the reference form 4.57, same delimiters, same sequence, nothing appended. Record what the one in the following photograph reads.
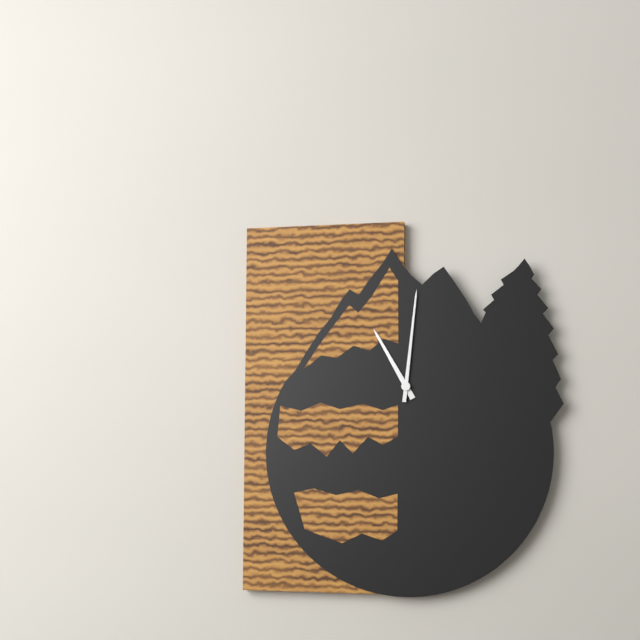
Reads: 11.01
